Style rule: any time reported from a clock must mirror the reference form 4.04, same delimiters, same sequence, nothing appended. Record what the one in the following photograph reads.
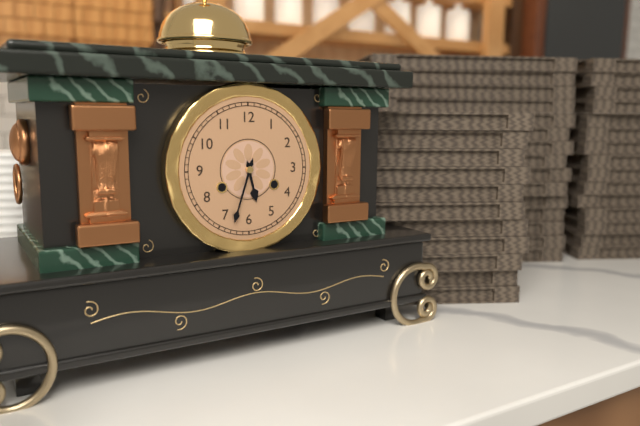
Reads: 5.33
